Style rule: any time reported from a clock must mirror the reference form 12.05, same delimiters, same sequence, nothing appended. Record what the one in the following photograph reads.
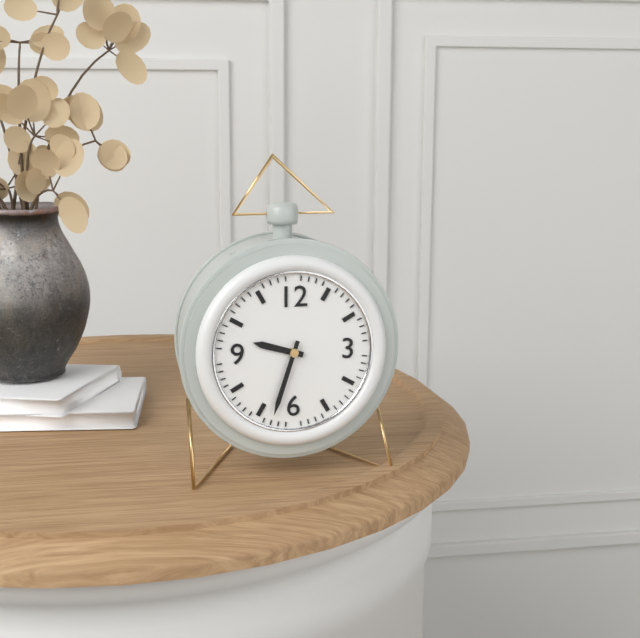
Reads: 9.33
